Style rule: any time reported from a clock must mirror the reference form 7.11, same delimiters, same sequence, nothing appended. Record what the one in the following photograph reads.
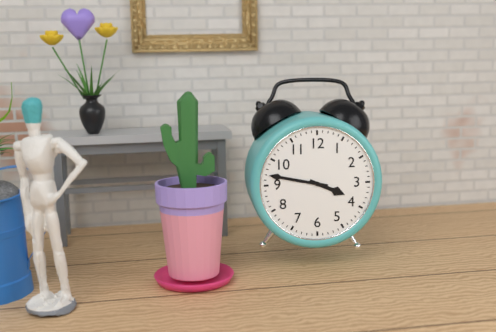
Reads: 3.47
